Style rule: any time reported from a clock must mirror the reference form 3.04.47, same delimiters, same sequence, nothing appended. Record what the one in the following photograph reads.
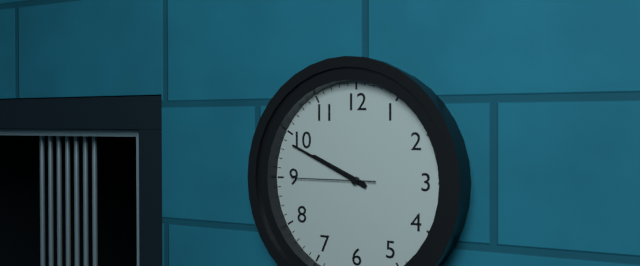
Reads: 9.49.45
